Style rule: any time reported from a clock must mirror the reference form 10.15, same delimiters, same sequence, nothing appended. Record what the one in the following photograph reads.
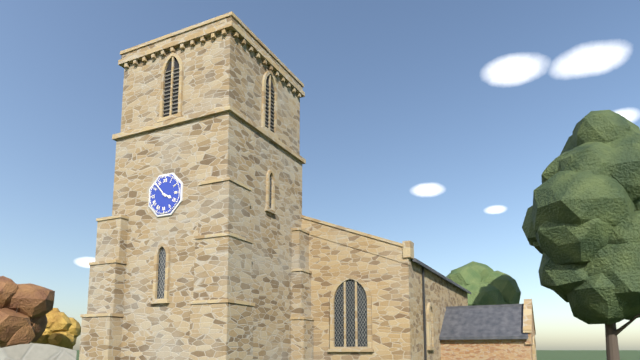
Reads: 3.53
